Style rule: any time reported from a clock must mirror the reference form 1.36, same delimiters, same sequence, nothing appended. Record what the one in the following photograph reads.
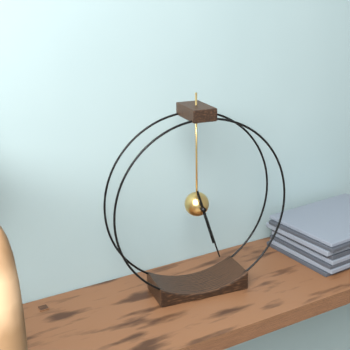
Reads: 5.27
